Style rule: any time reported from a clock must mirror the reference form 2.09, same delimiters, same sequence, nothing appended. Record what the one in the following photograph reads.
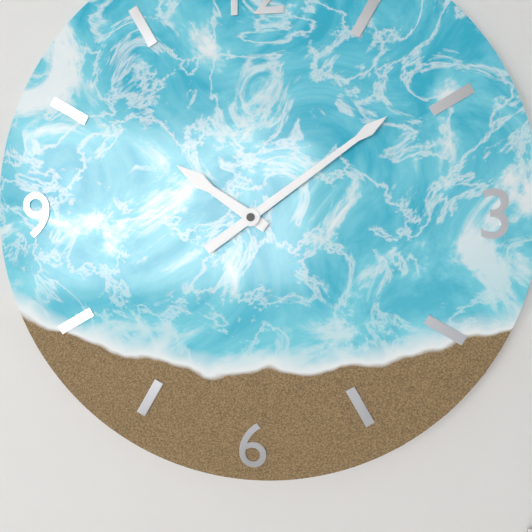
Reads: 10.09
